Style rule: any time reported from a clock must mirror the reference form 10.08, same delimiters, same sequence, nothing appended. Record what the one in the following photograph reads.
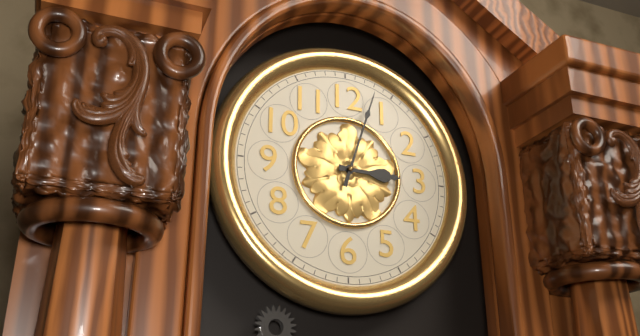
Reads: 3.03
